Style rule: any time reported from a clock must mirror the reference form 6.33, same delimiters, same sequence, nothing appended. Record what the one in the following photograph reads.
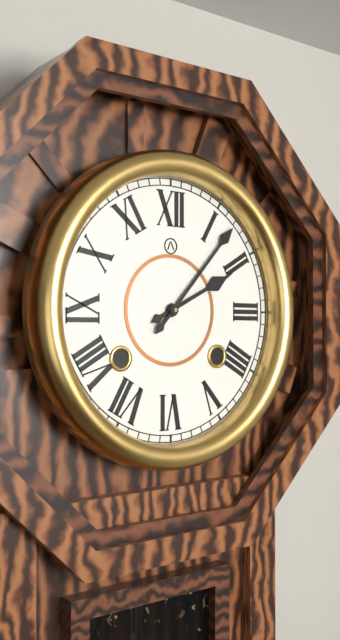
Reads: 2.07
